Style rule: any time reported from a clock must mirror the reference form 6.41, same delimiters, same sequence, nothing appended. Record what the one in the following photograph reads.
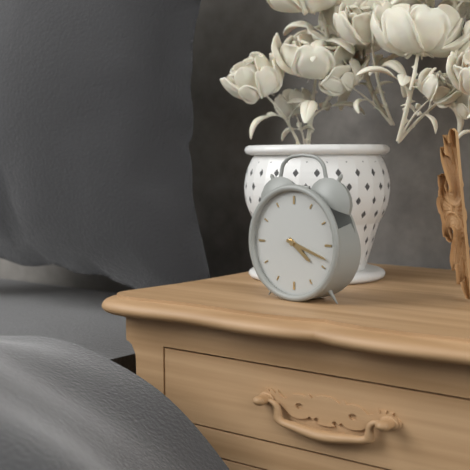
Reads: 4.18
